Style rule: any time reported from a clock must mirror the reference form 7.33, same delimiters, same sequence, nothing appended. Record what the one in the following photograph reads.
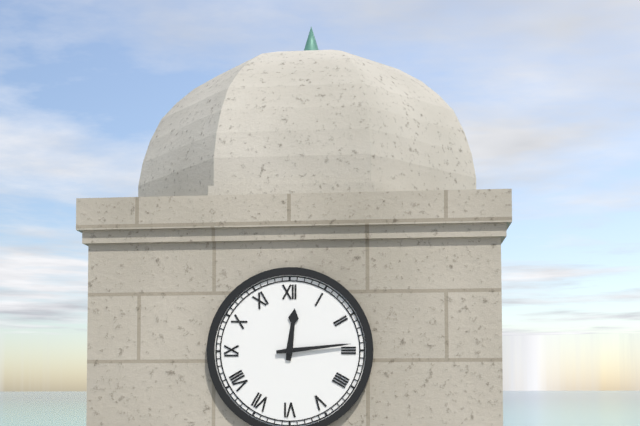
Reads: 12.14
